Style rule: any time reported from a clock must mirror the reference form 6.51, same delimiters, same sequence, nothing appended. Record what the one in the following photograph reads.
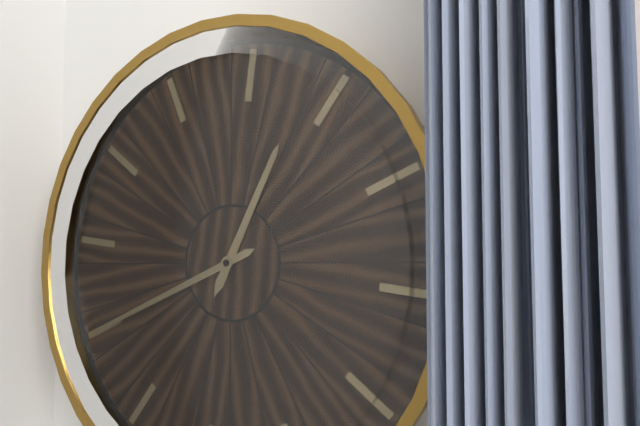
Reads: 12.40
